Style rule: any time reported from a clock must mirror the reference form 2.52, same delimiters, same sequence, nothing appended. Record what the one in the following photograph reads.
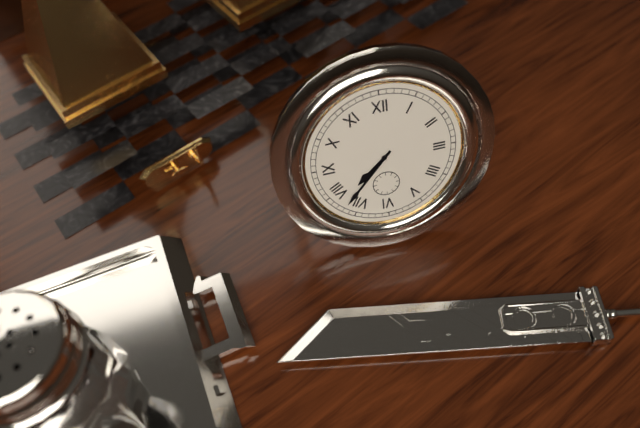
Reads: 7.37
